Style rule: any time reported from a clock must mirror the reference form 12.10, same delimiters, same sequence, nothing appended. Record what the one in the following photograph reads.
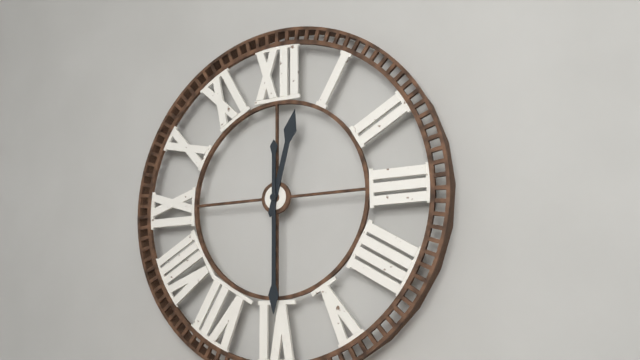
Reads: 12.30
